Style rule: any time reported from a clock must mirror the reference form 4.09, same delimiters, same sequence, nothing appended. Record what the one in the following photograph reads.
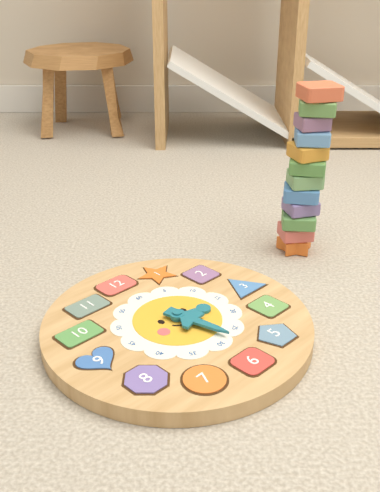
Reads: 3.28
